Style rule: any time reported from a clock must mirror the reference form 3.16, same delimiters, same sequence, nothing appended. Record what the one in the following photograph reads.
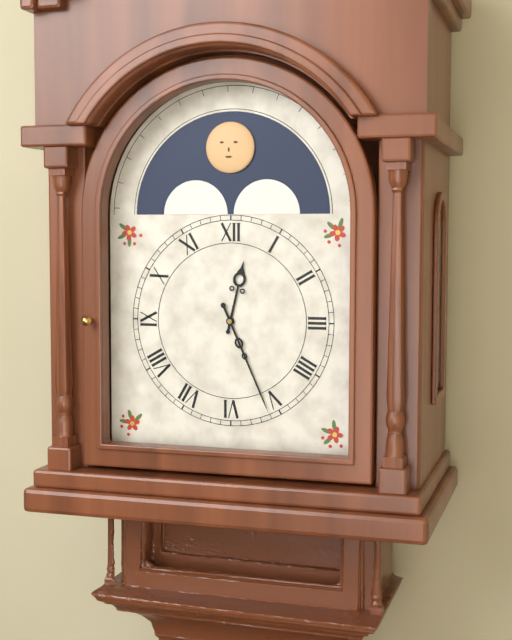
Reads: 12.26
